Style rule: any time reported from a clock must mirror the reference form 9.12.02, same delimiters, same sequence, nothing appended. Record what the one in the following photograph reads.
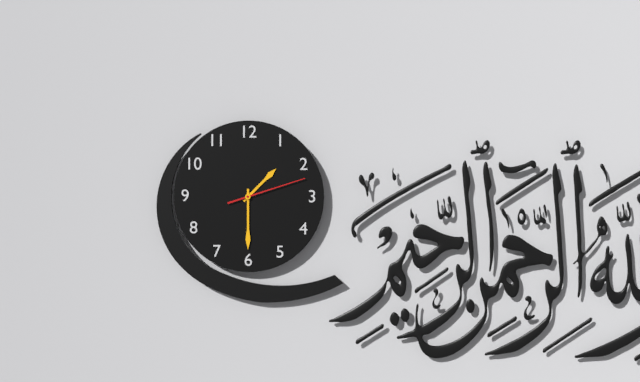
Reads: 1.30.12
